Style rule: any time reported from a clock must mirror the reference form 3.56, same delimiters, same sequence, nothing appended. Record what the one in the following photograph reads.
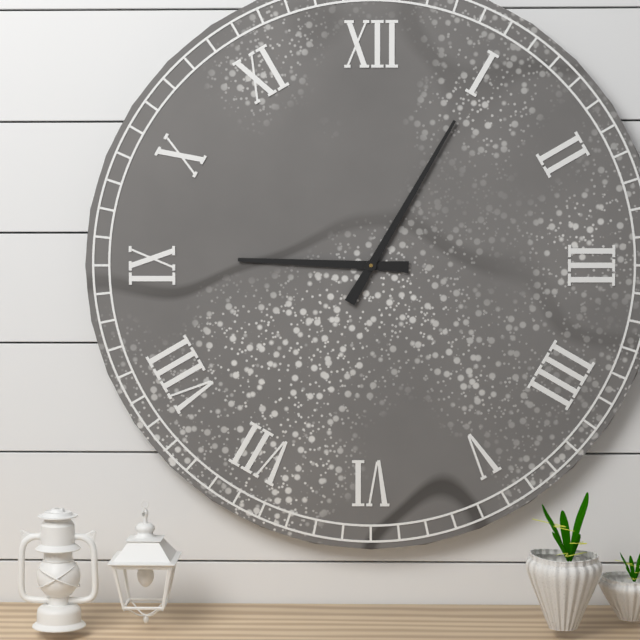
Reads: 9.05
